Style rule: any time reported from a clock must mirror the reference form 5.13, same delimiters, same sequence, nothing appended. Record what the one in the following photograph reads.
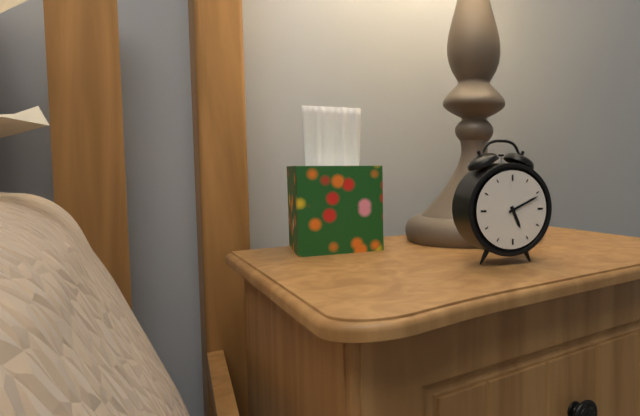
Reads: 5.11
